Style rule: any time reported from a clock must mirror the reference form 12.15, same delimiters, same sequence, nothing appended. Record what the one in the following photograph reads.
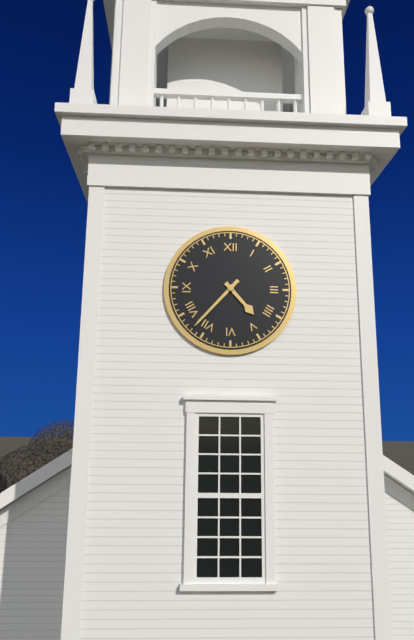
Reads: 4.37
